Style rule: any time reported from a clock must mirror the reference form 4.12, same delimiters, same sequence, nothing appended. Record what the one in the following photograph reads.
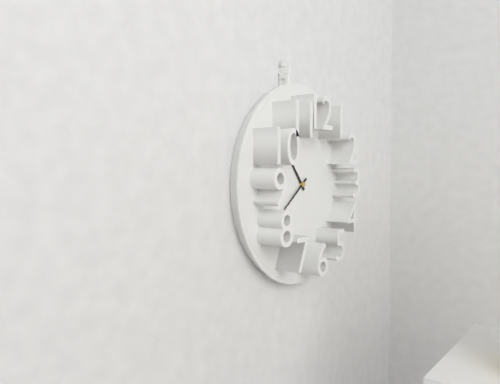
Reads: 10.39
